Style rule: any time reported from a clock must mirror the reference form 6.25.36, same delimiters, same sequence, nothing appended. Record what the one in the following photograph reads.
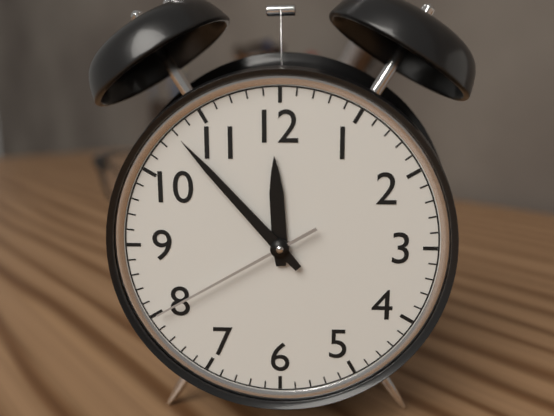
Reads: 11.53.40
